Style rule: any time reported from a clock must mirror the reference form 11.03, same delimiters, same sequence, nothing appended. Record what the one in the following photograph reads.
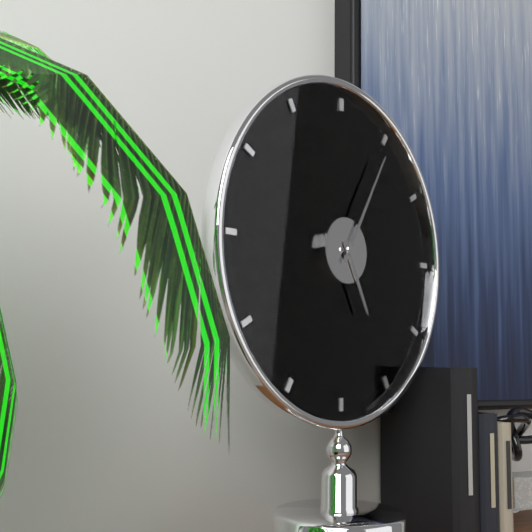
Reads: 5.05
